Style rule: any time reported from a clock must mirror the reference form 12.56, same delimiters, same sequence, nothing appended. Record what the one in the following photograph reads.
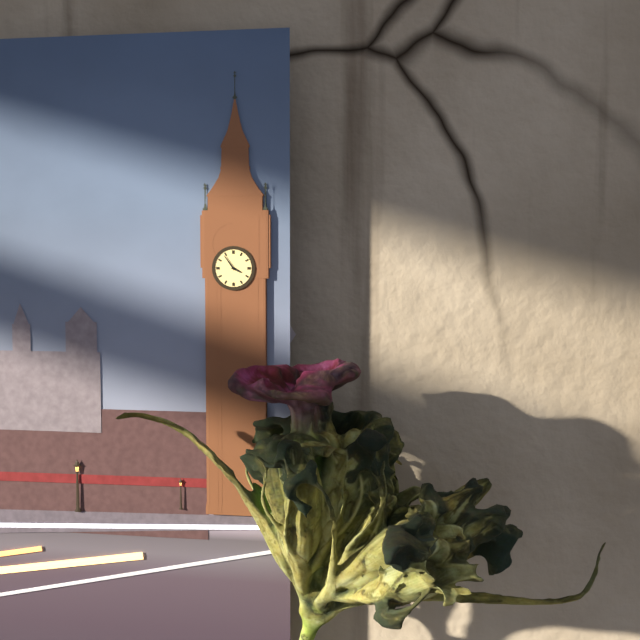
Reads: 3.54
